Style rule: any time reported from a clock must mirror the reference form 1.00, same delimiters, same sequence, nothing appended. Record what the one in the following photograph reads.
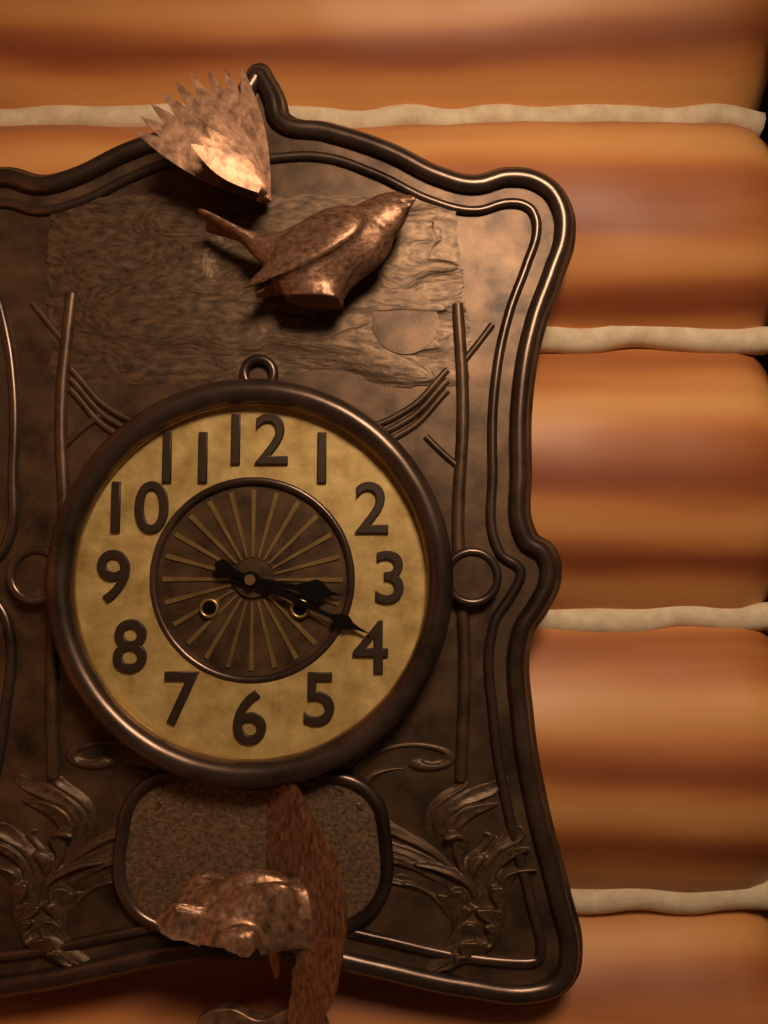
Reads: 3.19
